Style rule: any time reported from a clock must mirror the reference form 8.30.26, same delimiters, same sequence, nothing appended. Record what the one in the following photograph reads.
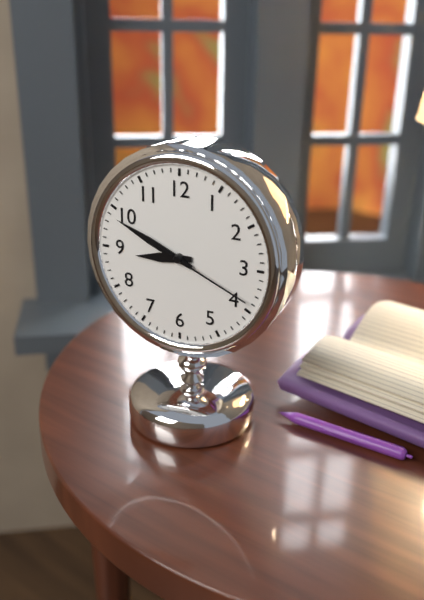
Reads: 8.49.19
